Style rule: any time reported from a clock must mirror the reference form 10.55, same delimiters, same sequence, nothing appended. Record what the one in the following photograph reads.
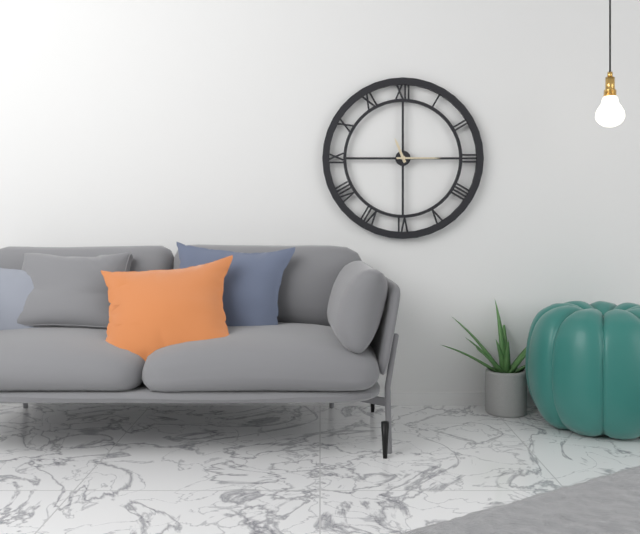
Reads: 11.15
